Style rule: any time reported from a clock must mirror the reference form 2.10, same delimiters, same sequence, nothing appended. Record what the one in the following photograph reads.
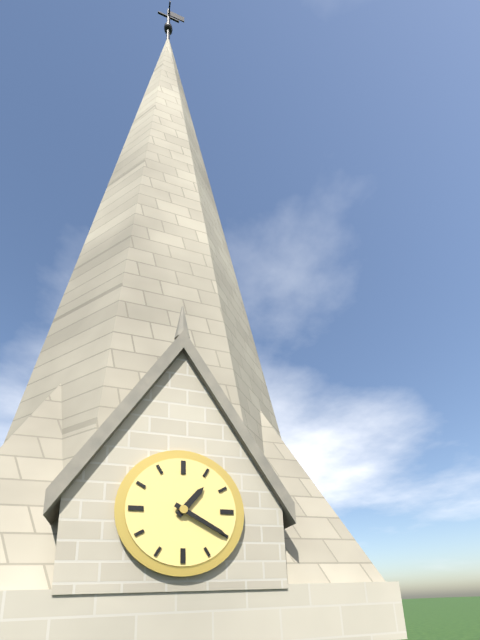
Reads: 1.20
